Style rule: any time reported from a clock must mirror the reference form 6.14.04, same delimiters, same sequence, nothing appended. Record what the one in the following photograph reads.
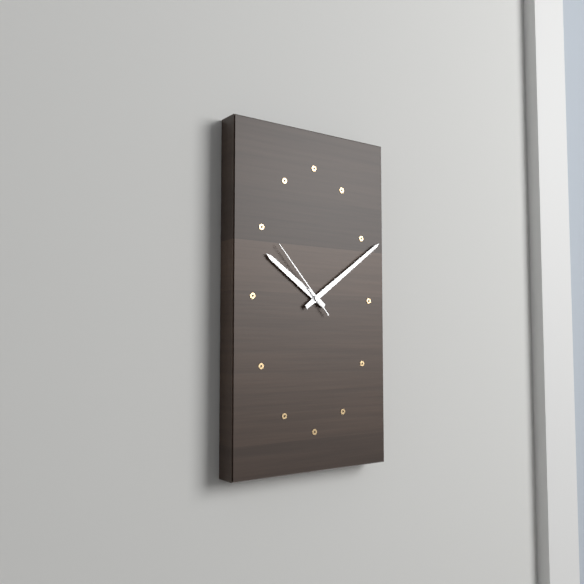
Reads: 10.09.53
